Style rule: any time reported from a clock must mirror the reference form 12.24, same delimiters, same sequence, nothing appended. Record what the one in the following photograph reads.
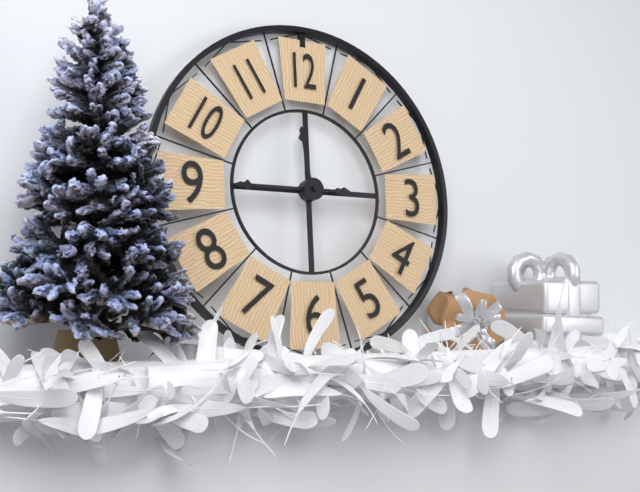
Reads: 11.45
